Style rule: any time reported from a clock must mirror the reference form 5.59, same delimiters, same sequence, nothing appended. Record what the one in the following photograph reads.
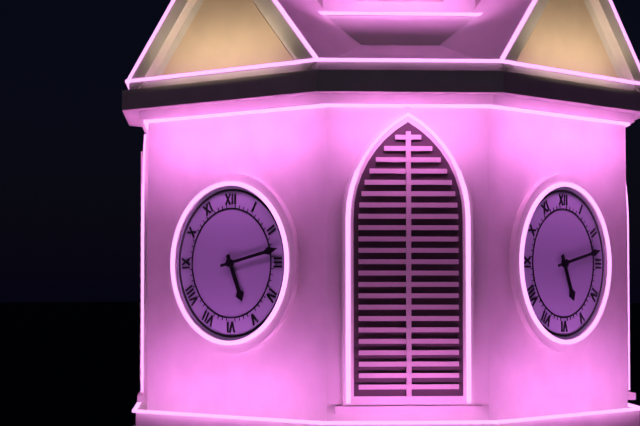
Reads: 5.13
